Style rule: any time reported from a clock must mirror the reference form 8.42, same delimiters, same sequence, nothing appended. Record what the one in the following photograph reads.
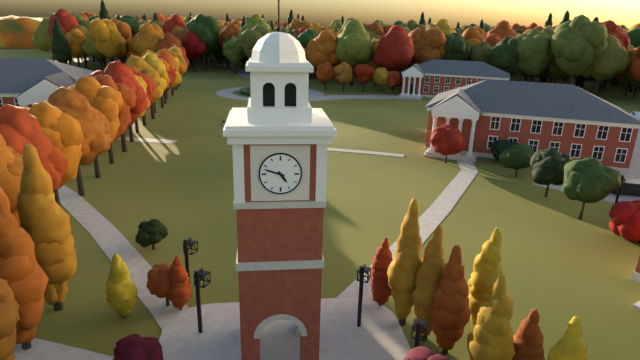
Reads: 4.48
